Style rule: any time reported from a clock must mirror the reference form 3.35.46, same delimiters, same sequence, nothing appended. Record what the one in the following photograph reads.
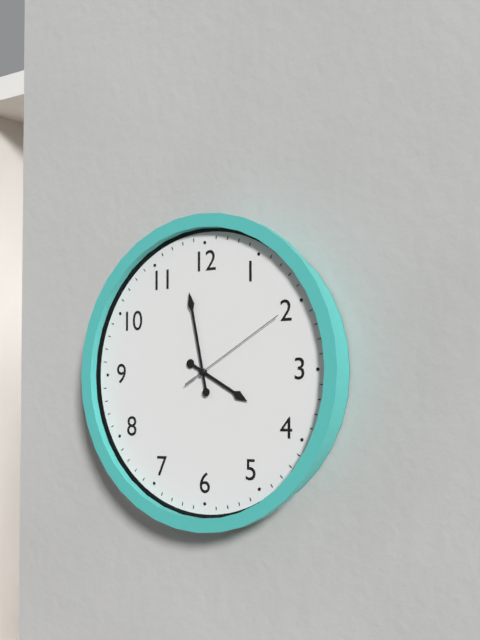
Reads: 3.58.10
